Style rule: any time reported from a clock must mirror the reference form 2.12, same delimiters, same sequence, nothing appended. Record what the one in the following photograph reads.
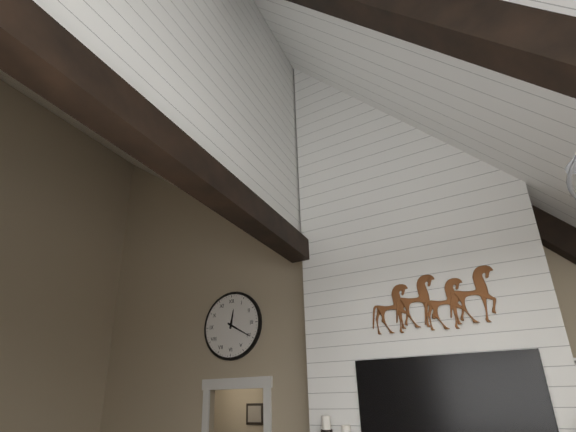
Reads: 12.20
